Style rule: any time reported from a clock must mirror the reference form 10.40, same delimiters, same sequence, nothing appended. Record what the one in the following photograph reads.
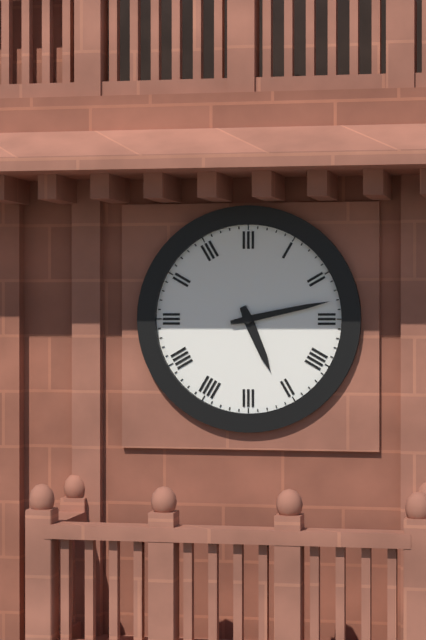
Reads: 5.13
